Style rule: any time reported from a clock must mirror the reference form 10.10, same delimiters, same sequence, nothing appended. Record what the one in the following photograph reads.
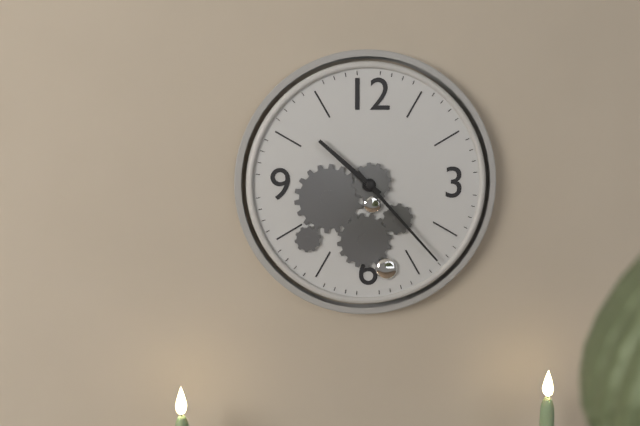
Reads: 10.23
